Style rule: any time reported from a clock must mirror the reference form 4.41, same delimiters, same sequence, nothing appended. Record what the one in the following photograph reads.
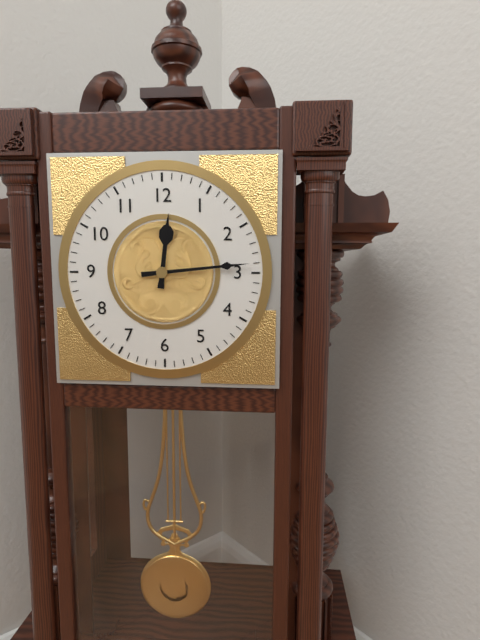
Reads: 12.14
